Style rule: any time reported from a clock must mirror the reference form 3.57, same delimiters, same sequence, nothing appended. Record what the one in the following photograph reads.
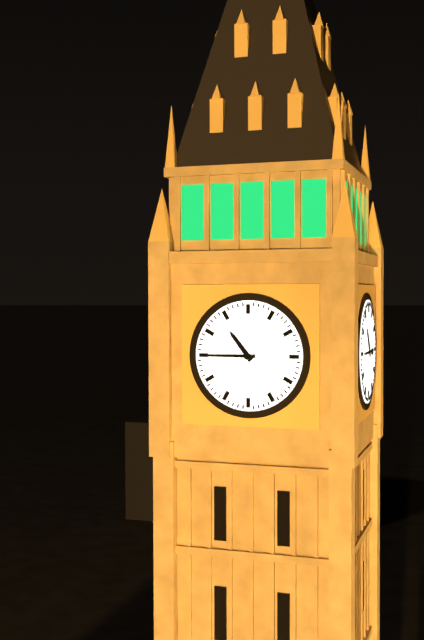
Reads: 10.45
